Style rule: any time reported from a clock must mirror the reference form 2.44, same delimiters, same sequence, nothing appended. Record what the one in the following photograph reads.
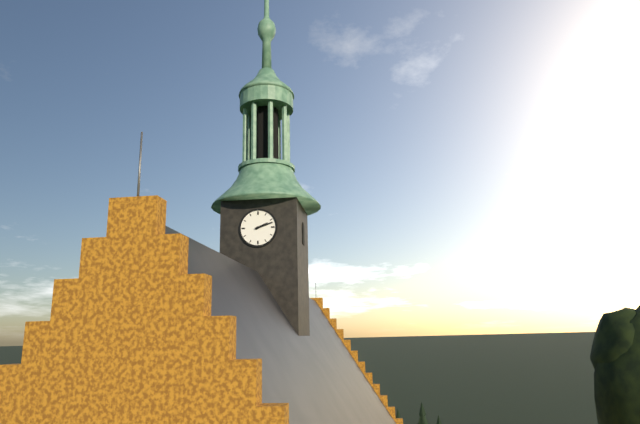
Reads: 2.12
